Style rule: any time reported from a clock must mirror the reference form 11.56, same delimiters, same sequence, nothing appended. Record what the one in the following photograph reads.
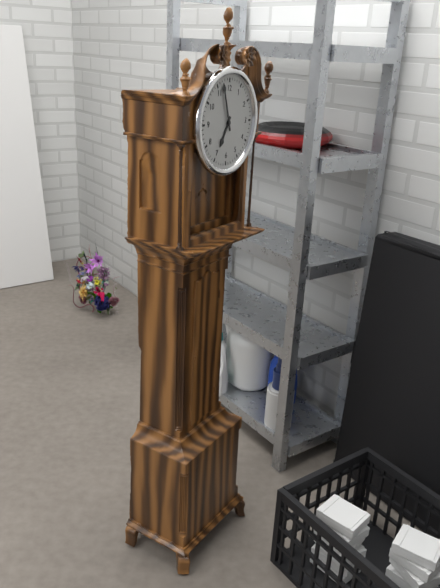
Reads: 6.57
